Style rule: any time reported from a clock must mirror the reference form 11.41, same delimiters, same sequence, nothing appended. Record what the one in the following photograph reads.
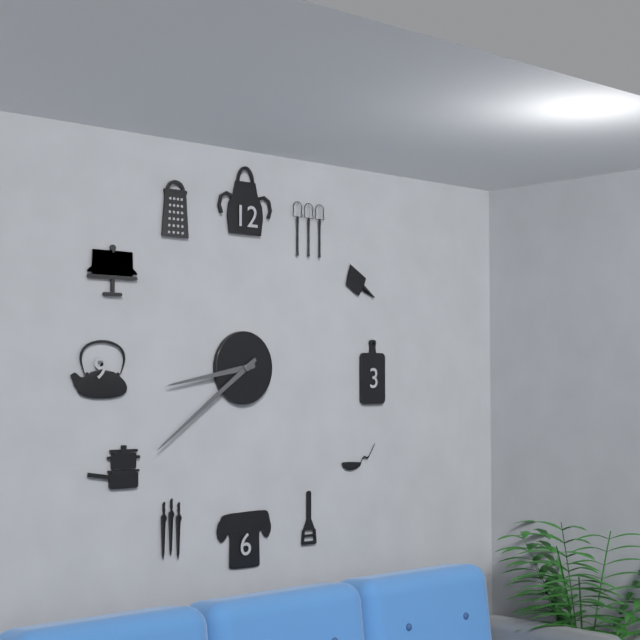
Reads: 8.39
